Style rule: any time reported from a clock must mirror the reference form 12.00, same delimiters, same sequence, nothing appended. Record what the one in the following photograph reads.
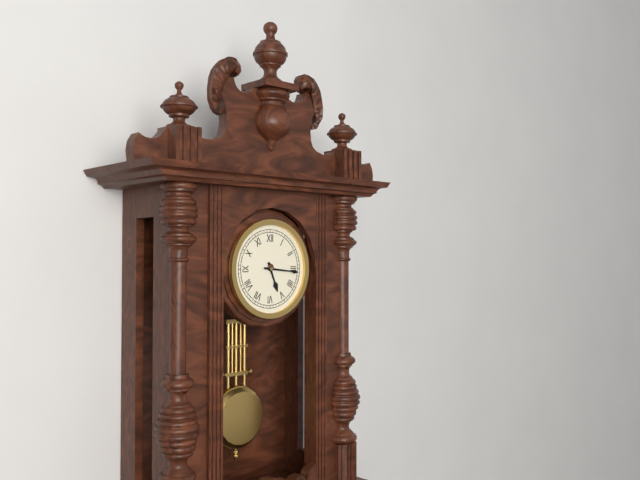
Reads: 5.16
